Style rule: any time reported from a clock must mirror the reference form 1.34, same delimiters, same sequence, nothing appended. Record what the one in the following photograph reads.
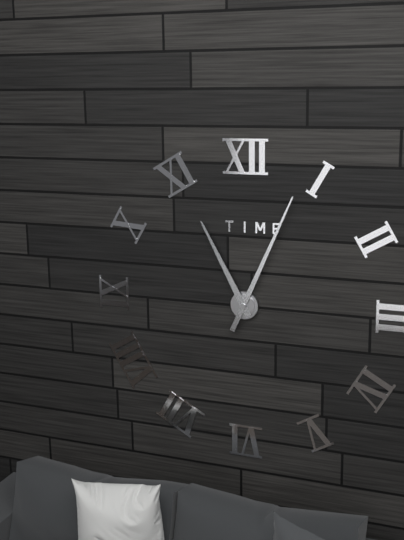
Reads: 11.04
